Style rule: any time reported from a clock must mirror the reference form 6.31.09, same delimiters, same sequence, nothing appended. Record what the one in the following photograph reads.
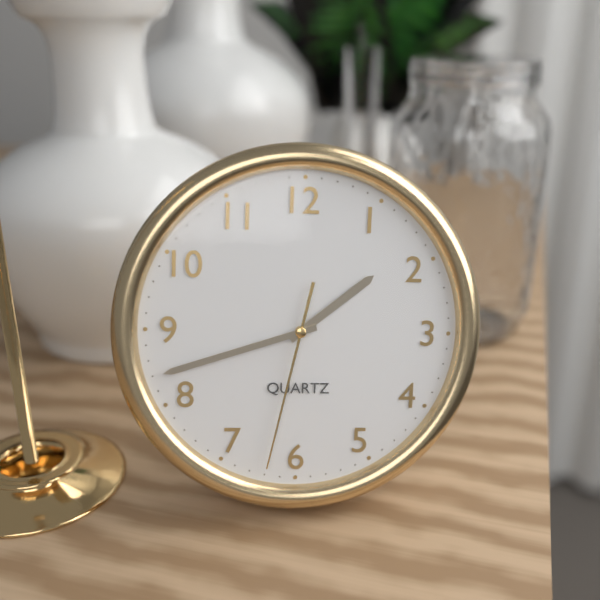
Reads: 1.42.32
